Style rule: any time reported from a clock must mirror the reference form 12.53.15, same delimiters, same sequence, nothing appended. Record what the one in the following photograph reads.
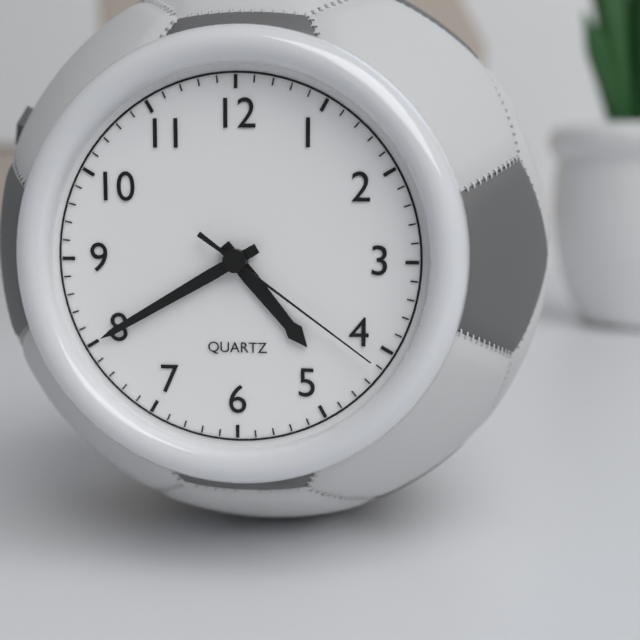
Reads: 4.40.21
